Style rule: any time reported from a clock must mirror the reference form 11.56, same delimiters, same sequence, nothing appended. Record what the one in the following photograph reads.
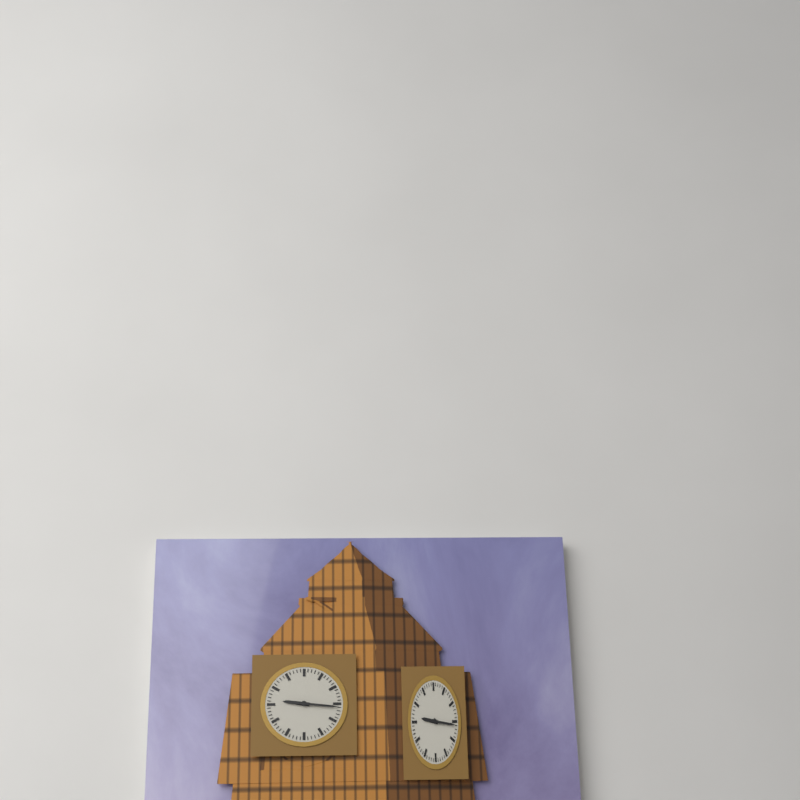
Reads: 9.16
